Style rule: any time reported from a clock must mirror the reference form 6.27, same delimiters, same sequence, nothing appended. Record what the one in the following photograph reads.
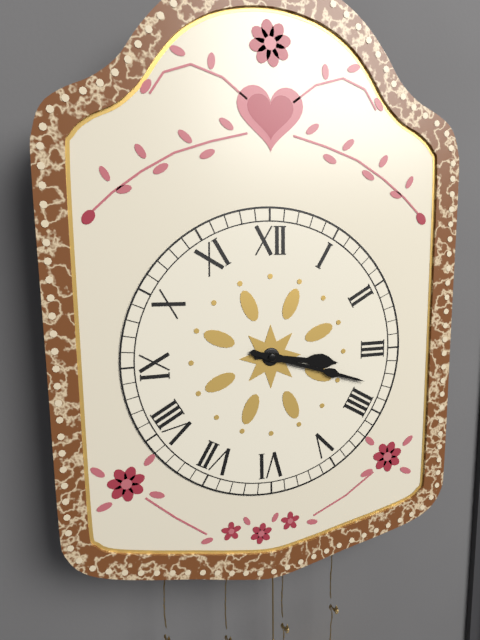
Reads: 3.18
